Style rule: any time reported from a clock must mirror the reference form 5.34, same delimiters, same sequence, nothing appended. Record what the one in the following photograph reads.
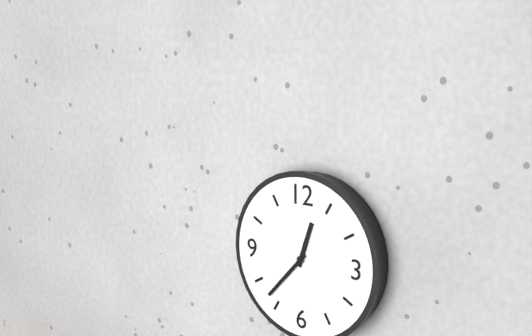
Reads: 12.37
